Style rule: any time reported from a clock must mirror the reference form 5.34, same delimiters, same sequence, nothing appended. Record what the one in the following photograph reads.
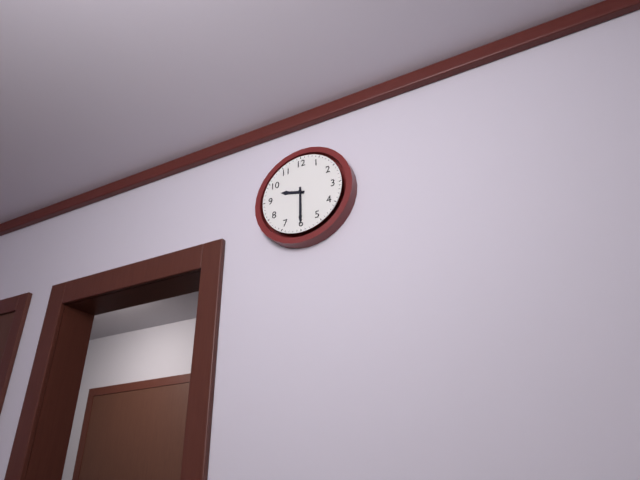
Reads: 9.30
